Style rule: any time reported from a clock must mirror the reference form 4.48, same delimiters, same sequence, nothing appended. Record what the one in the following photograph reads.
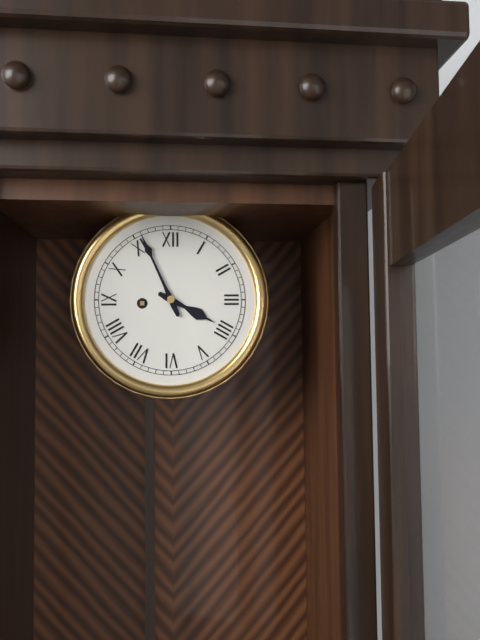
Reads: 3.56
